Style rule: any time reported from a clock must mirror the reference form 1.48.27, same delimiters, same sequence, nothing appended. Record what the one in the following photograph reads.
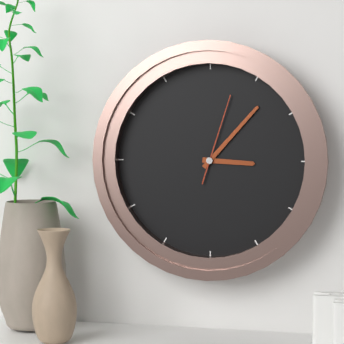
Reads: 3.07.03
